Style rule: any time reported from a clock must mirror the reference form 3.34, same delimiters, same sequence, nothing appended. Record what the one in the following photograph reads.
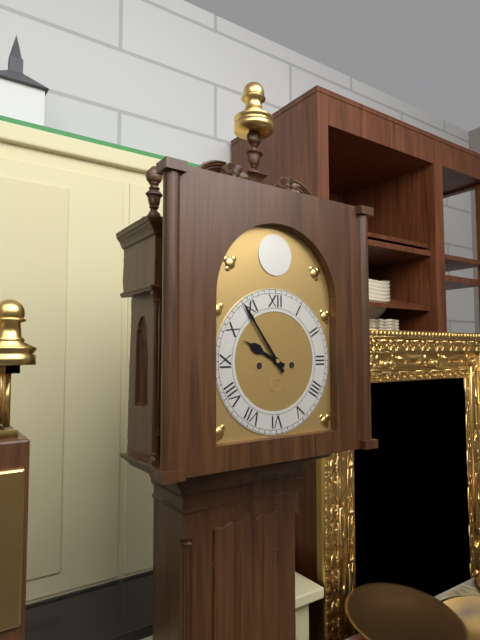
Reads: 9.54
